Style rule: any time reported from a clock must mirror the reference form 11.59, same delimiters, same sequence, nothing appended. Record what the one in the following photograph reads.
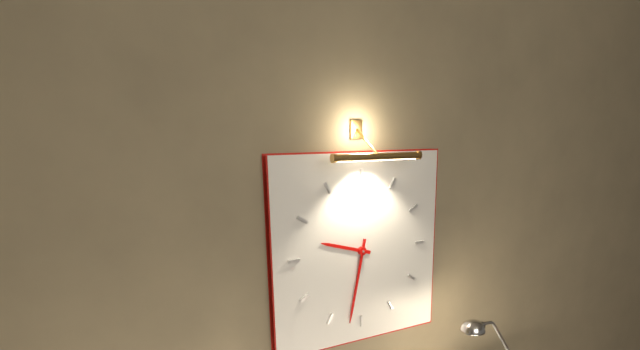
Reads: 9.32
